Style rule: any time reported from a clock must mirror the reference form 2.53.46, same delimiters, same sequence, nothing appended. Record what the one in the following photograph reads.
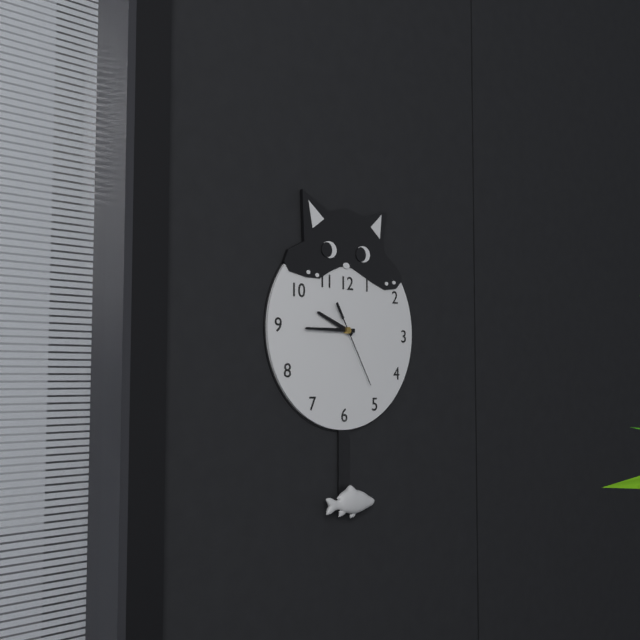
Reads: 9.45.25
